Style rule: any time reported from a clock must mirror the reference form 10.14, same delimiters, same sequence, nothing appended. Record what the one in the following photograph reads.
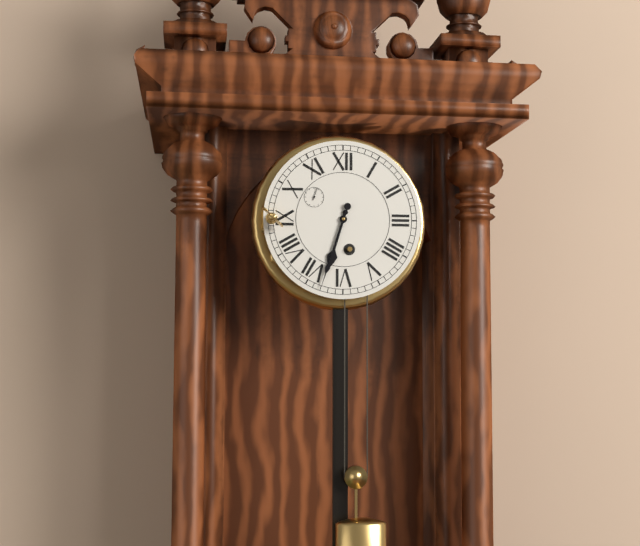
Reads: 6.33
